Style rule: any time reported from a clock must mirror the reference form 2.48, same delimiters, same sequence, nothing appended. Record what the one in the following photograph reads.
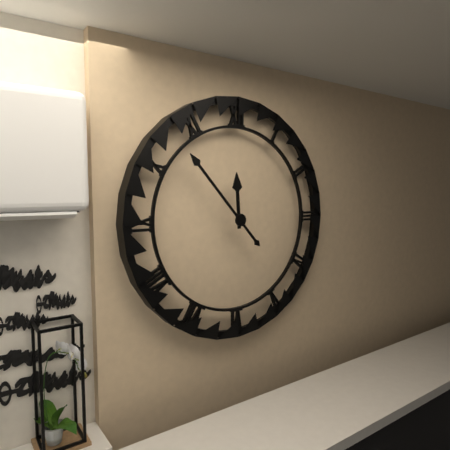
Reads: 11.53
